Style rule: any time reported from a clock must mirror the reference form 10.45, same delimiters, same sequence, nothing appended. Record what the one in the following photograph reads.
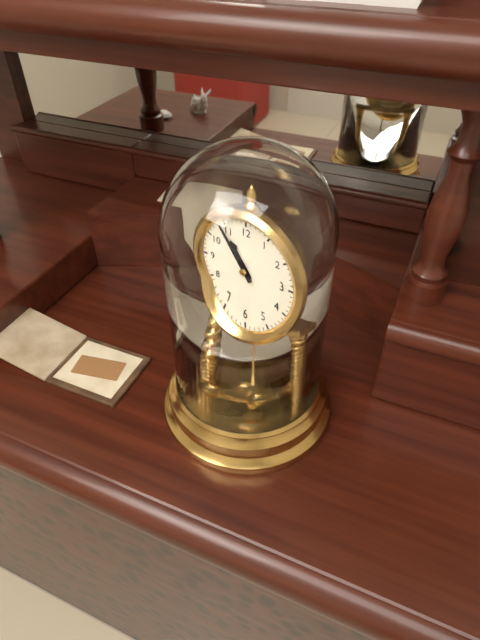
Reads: 10.54
